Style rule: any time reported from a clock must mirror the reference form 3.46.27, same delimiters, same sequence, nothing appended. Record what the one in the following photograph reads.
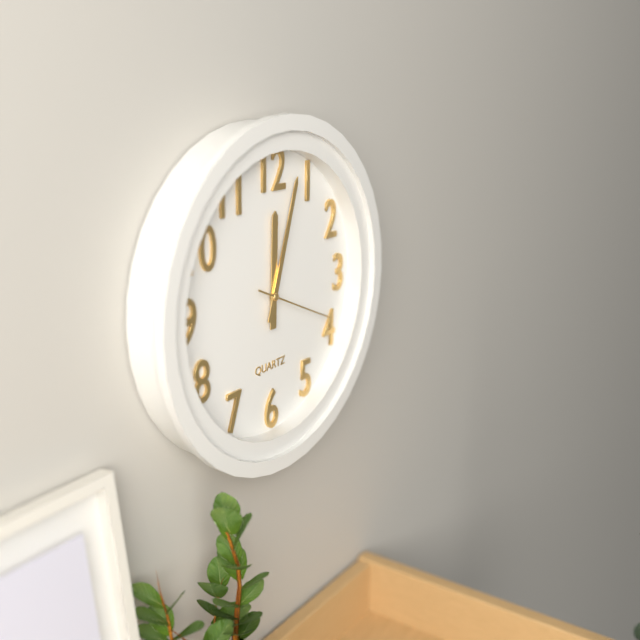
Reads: 12.03.19
